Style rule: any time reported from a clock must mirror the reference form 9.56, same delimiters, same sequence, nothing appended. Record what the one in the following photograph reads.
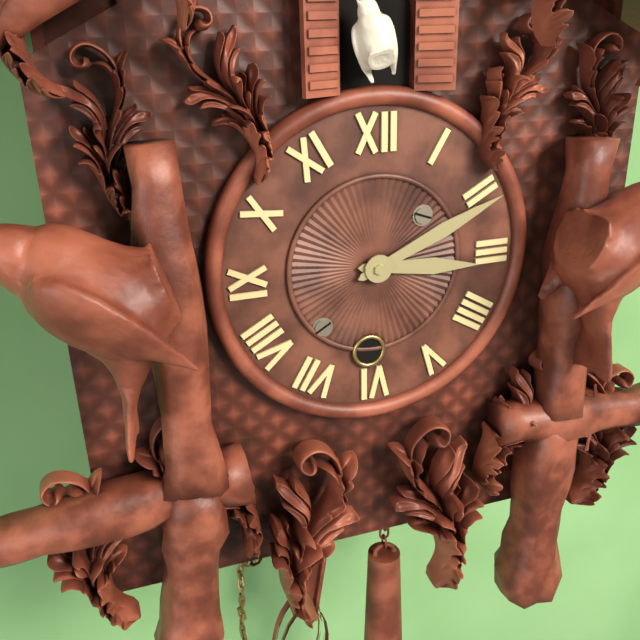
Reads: 3.11
